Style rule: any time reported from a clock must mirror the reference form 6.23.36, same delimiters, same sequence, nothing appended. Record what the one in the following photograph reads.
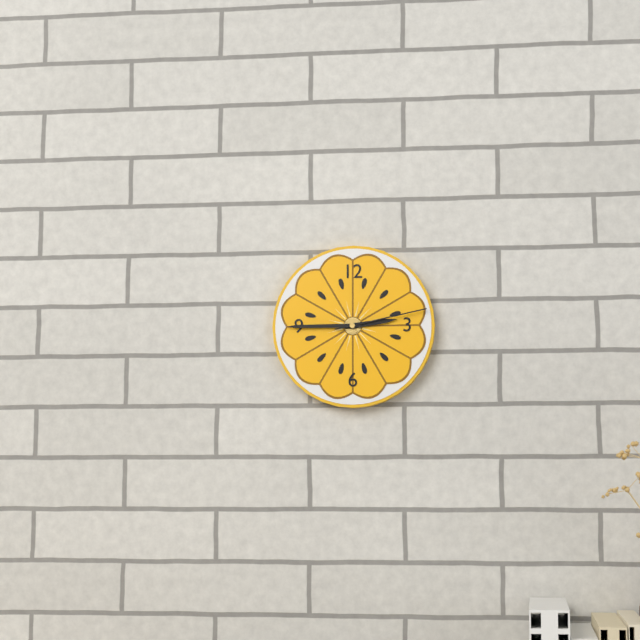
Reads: 2.45.13
